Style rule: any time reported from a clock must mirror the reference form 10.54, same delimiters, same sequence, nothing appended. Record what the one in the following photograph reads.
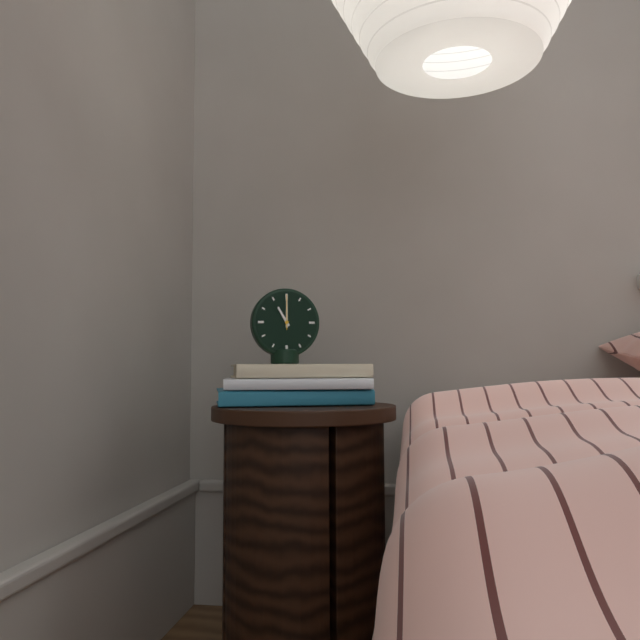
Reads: 11.00
